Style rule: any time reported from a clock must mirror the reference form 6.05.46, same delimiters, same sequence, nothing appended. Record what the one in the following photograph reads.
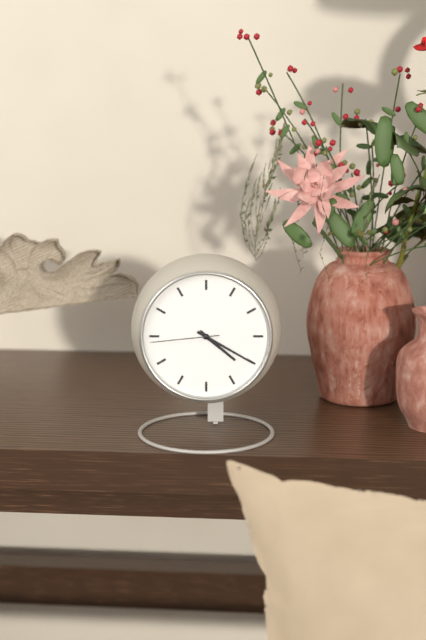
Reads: 4.20.44
